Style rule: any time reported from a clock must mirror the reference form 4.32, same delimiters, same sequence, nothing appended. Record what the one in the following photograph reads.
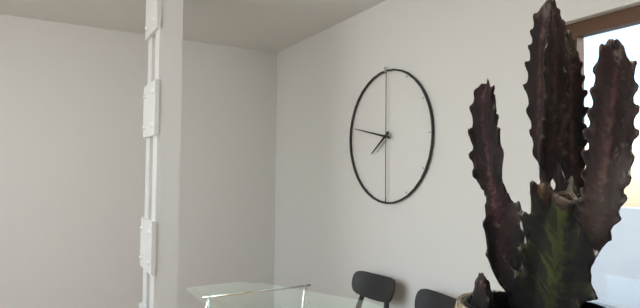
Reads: 7.47
